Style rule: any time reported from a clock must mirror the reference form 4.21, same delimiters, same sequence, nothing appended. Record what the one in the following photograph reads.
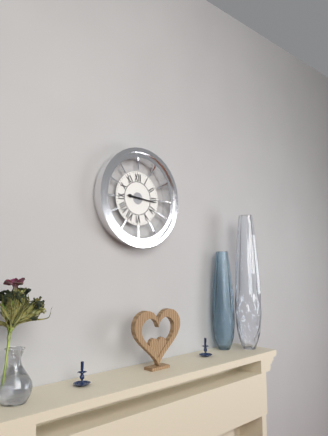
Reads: 9.16
